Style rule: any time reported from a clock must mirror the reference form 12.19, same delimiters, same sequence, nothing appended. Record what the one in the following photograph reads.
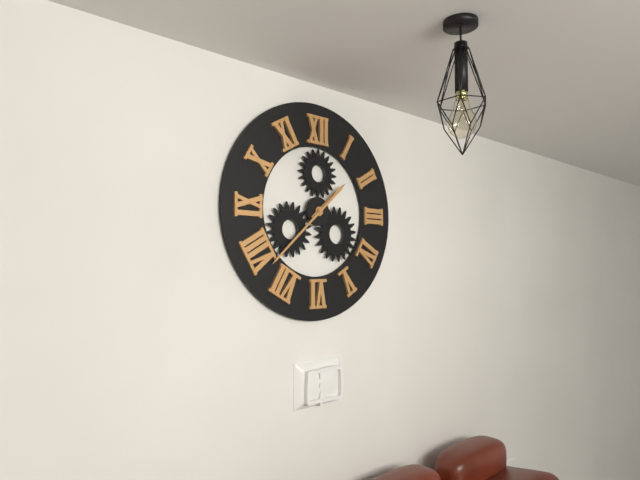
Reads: 1.38
